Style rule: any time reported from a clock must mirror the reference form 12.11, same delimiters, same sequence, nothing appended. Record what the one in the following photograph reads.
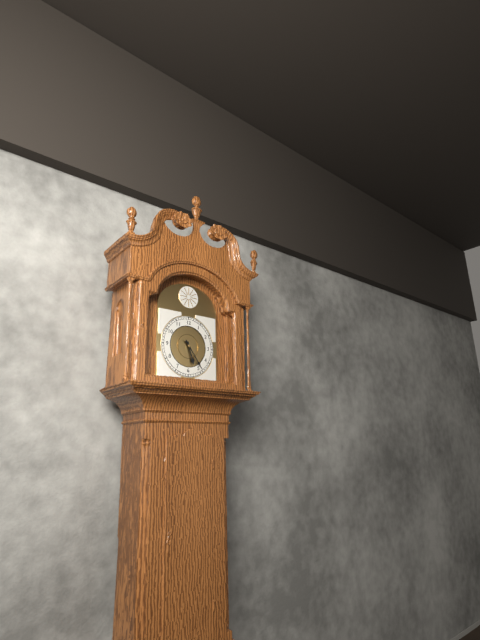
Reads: 5.24
